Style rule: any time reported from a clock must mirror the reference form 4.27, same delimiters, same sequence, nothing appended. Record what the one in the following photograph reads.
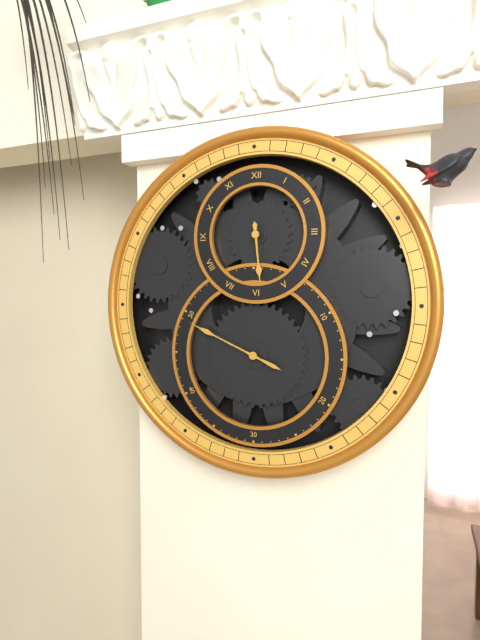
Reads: 5.49
